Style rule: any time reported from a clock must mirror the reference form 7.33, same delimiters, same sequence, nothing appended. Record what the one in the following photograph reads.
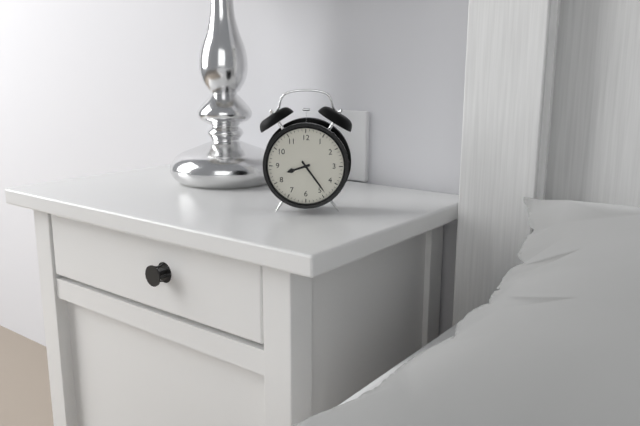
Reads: 8.24
